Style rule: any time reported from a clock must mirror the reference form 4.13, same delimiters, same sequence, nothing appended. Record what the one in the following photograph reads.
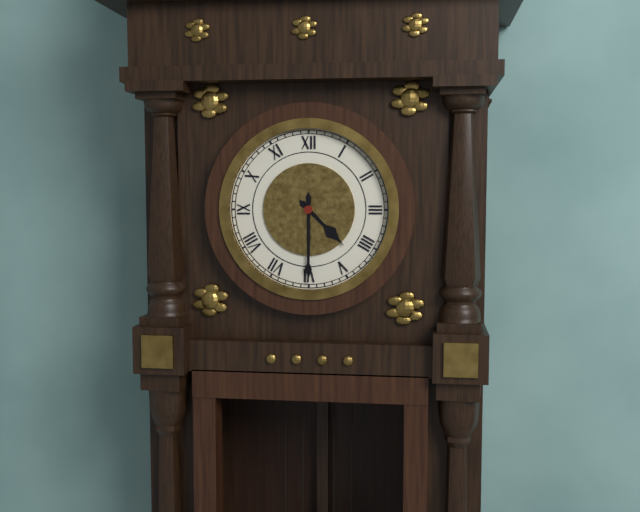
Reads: 4.30
